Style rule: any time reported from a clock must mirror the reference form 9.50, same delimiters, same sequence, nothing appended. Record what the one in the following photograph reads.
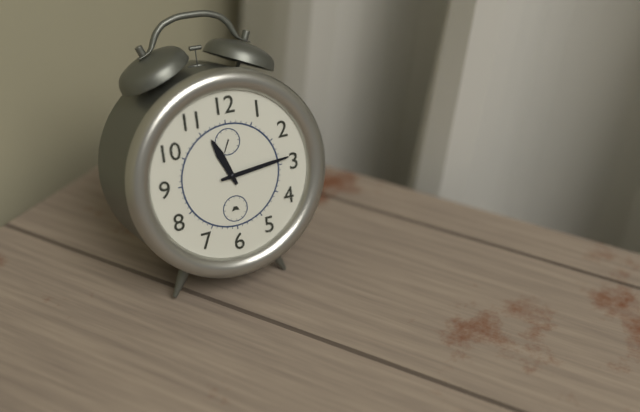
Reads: 11.14
